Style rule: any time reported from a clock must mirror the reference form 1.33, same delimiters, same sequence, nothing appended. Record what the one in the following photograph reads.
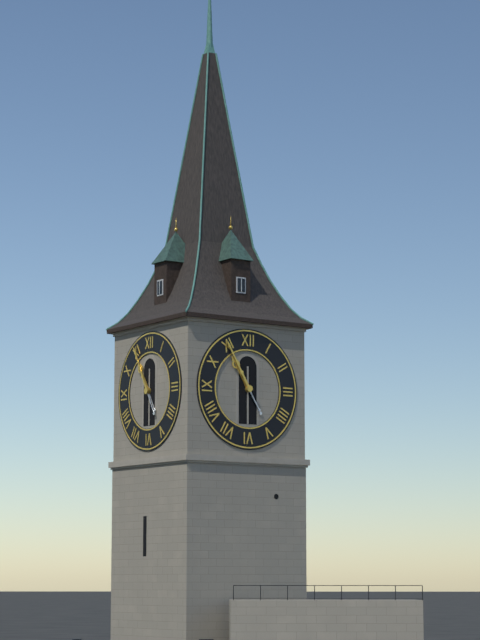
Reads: 10.55
